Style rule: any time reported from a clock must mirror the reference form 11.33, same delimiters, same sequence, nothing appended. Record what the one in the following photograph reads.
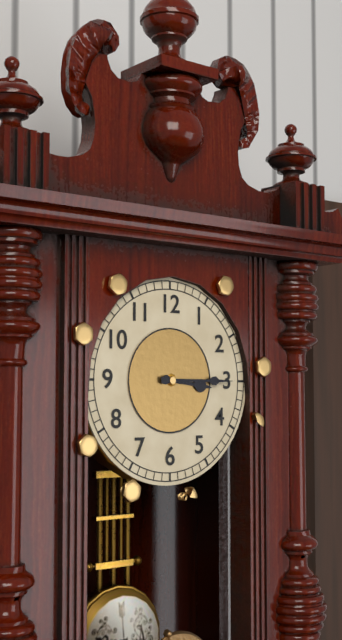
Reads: 3.15
